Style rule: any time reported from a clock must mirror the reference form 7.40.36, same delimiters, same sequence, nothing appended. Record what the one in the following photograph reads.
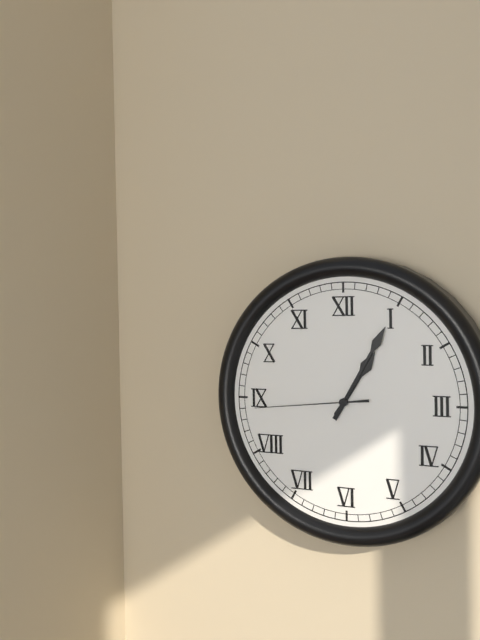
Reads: 1.05.44
